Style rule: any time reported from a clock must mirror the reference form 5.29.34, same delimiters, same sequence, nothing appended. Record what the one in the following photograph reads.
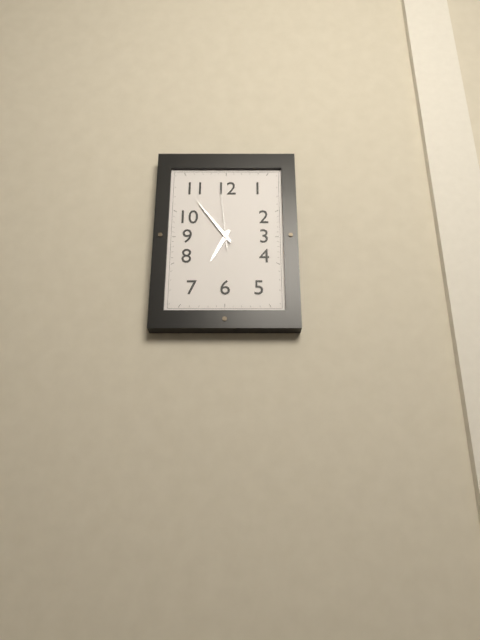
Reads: 6.54.59
